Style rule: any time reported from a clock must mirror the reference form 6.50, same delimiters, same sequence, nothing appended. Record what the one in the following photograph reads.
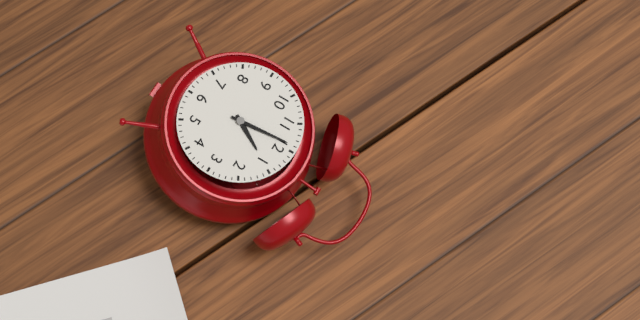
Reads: 12.59
